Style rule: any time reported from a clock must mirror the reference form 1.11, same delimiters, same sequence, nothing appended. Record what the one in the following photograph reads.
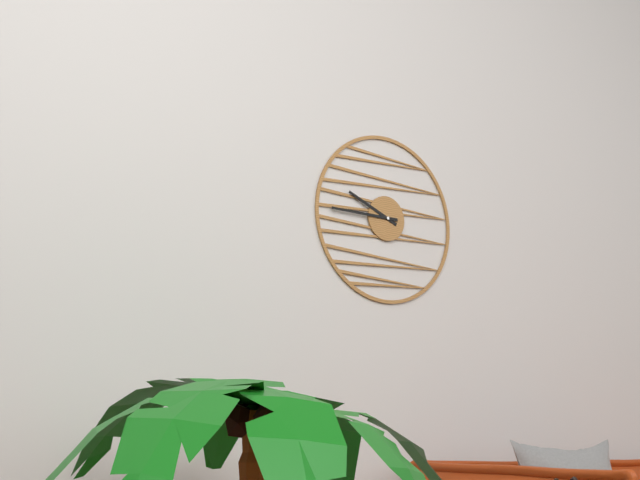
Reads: 9.45
